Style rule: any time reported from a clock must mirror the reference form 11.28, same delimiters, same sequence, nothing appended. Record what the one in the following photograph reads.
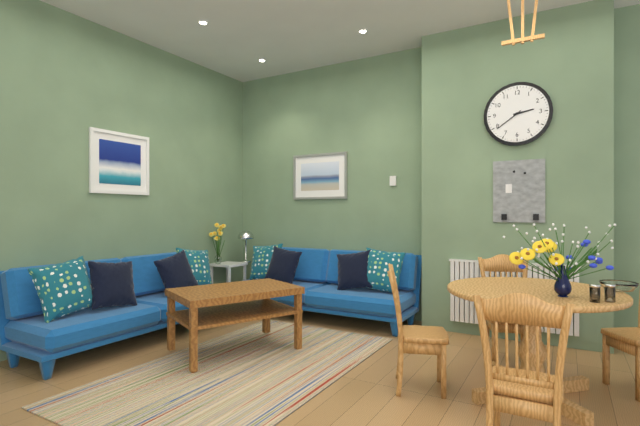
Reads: 2.39
